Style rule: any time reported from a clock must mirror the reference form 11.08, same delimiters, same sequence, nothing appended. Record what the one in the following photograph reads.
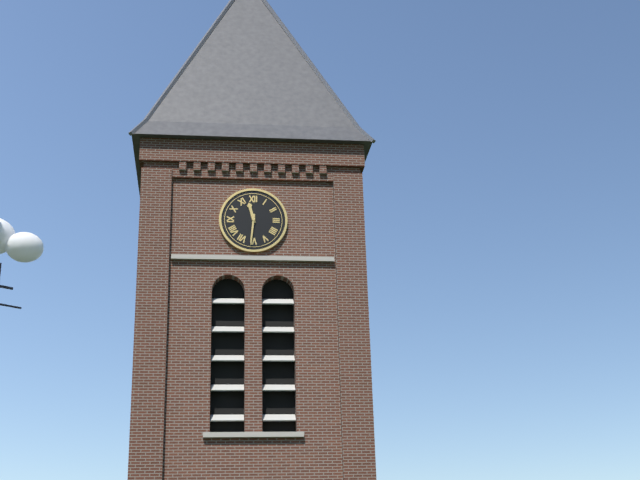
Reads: 11.31
